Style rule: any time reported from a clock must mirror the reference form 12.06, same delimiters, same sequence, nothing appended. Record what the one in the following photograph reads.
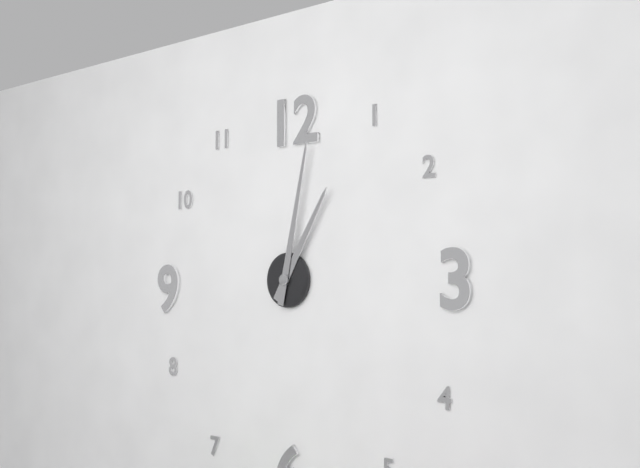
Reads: 1.02
